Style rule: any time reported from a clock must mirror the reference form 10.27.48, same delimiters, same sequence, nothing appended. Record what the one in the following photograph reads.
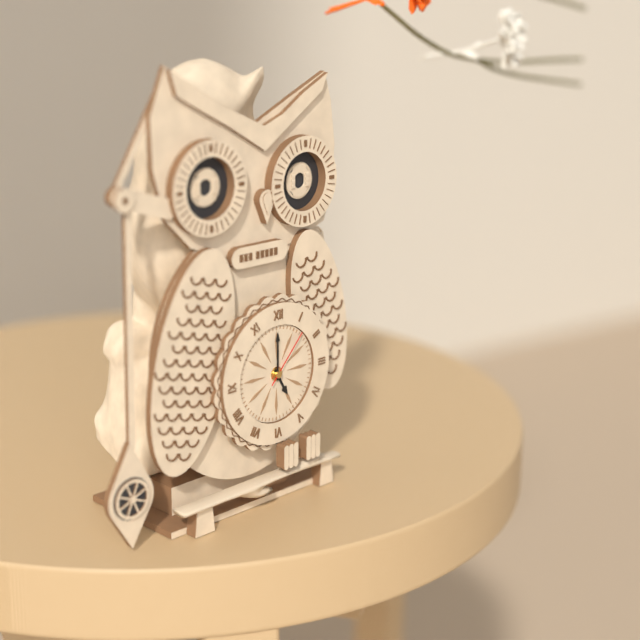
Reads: 5.00.07
